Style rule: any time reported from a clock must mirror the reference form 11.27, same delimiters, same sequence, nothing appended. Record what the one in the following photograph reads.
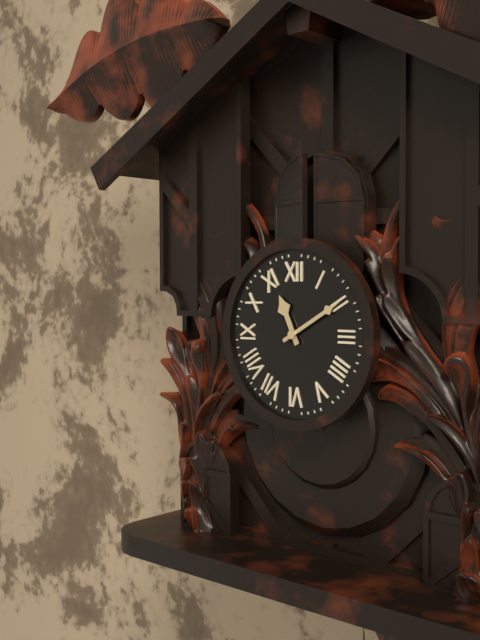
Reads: 11.10
